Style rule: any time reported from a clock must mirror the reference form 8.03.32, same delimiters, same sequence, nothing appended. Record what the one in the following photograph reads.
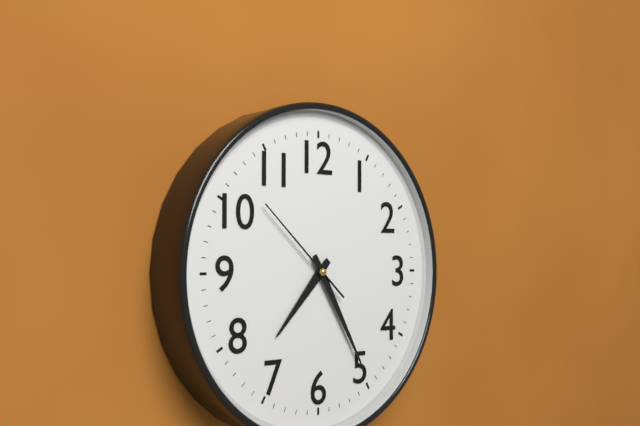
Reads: 7.25.52
